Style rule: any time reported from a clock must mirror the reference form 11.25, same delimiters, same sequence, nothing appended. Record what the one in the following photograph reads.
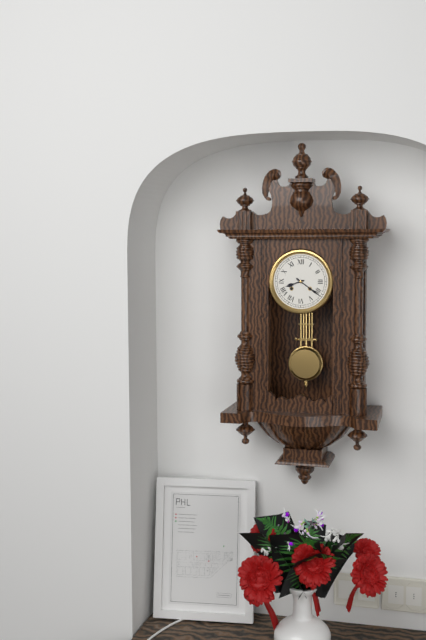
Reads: 8.21
